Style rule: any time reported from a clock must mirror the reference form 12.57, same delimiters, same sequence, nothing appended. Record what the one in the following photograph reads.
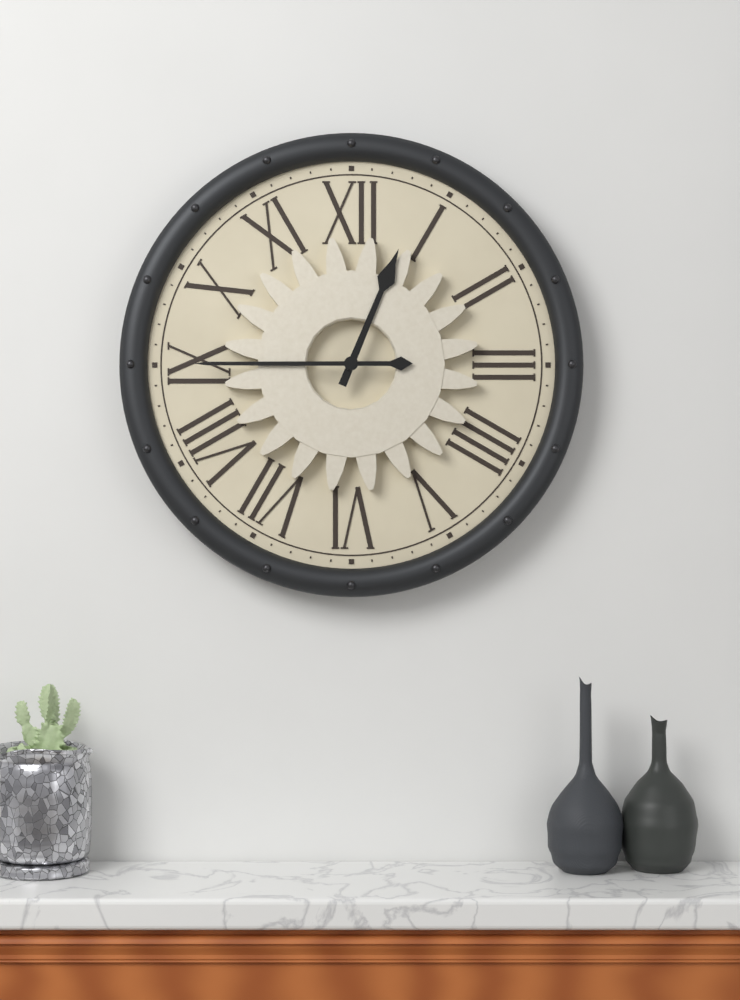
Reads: 12.45
